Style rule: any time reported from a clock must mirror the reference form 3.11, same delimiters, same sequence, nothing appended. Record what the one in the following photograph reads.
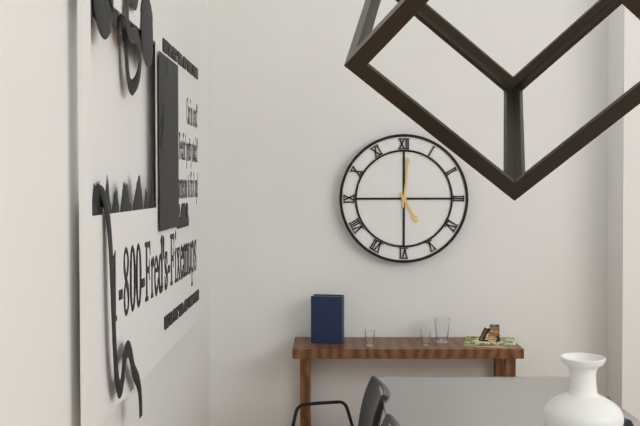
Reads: 5.01
